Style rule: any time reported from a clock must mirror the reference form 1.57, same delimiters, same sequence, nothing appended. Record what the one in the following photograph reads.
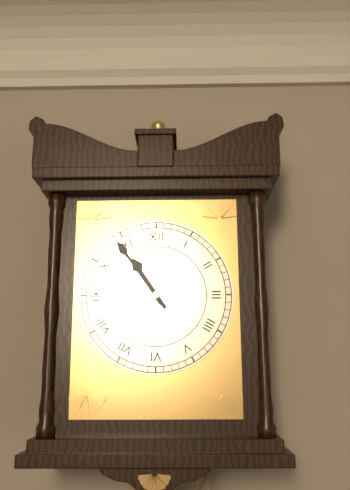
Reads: 10.54
